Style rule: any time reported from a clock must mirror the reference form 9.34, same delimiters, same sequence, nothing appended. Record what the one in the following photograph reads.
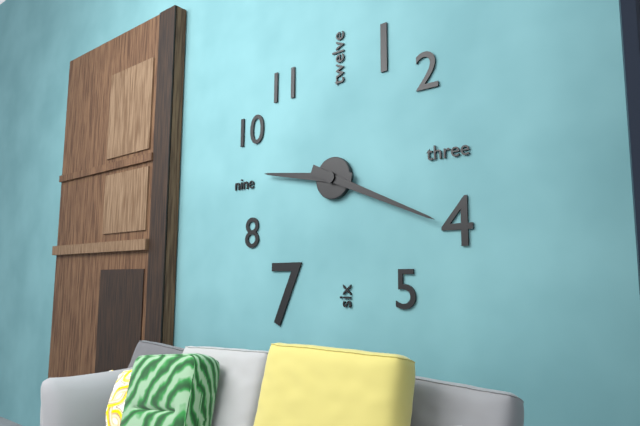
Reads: 9.19
